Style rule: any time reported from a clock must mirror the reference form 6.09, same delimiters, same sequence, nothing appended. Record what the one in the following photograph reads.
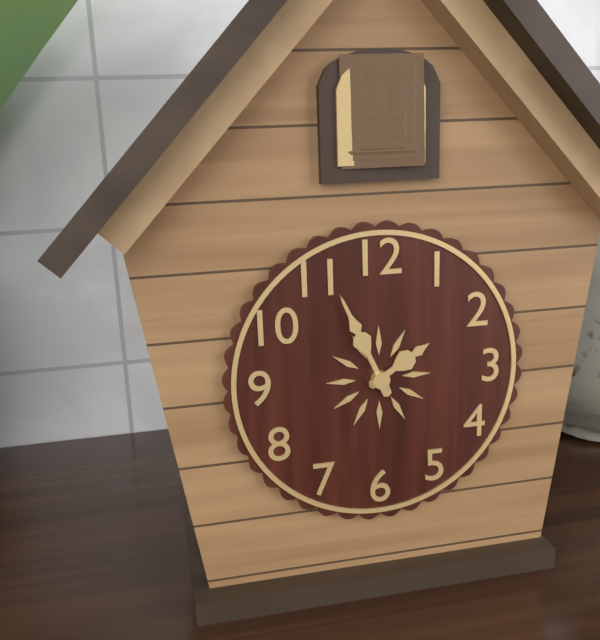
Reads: 1.56
